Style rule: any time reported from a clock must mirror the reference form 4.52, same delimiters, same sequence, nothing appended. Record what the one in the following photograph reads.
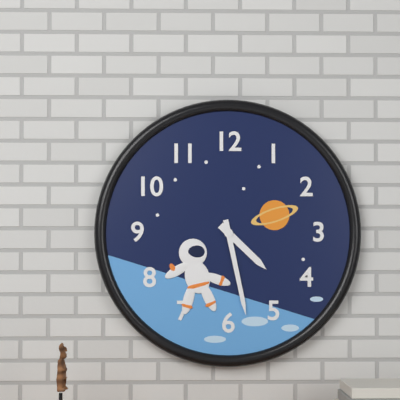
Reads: 4.28
